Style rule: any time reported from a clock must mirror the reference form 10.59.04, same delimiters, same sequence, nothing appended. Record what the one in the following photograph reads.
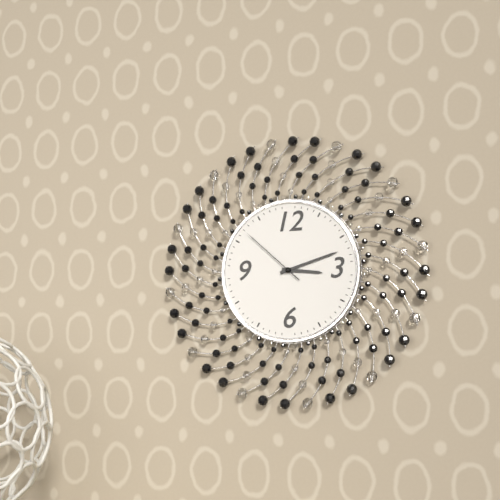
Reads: 3.12.52
